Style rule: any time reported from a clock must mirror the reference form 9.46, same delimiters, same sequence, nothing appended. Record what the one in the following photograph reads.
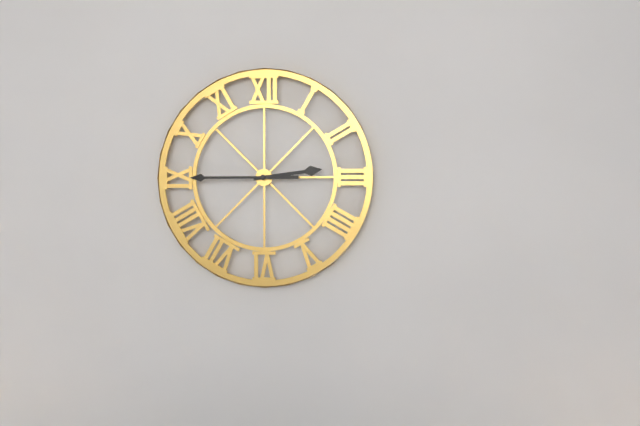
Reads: 2.45
